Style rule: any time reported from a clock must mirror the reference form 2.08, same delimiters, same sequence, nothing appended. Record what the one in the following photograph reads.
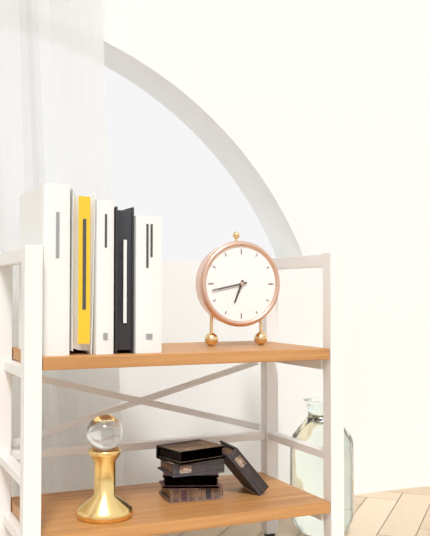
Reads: 6.43
